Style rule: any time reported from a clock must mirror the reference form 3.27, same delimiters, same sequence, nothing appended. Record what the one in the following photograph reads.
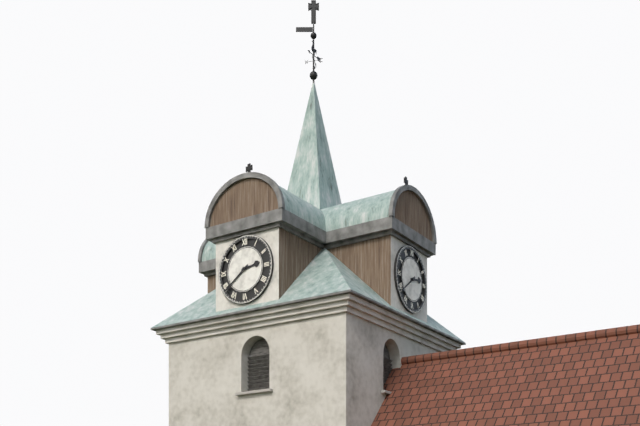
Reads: 2.39
